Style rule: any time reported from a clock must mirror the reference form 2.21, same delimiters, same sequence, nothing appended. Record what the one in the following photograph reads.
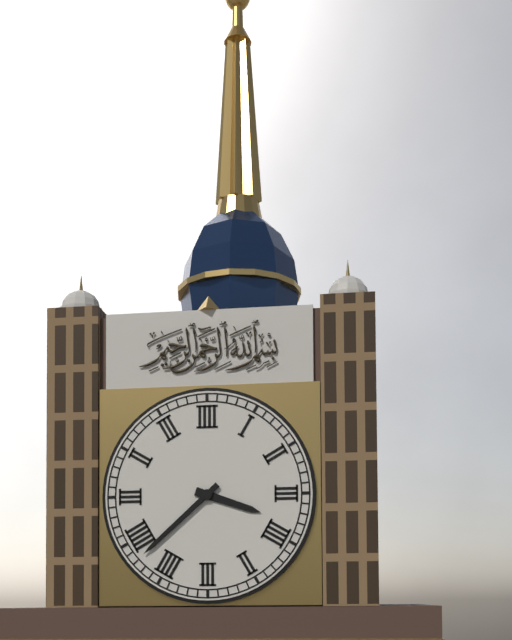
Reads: 3.38
